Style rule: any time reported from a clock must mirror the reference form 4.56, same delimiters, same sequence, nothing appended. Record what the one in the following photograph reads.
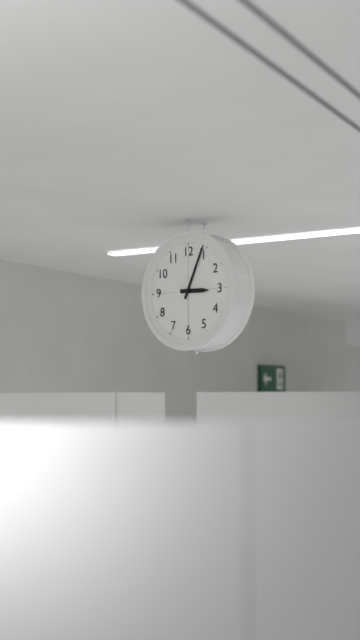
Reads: 3.04
